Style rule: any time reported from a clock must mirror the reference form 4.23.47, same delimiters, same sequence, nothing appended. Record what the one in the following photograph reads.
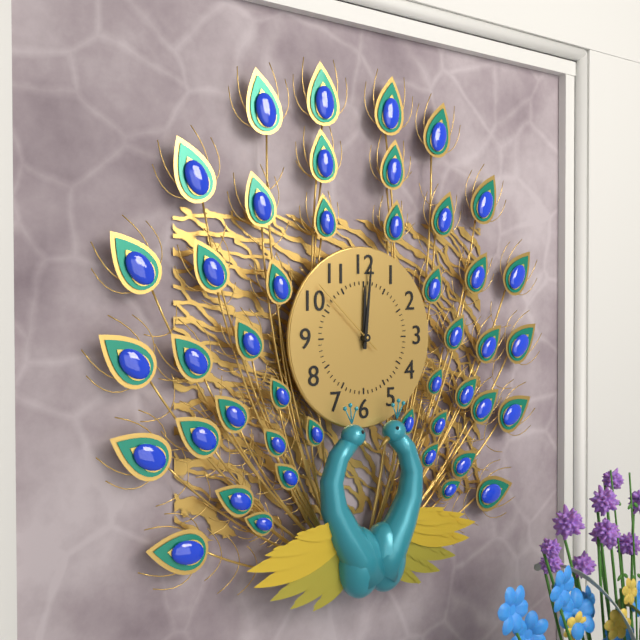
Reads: 12.01.52
